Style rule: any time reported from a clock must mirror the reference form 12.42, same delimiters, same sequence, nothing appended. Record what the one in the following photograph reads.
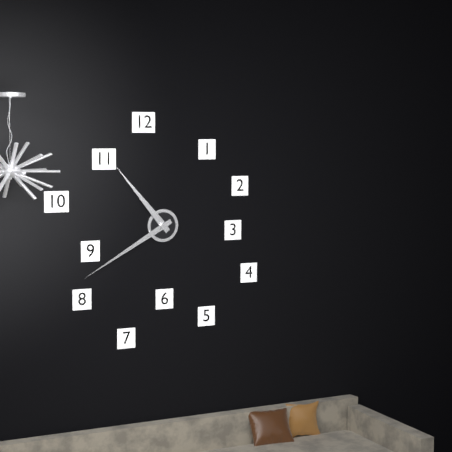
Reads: 10.40
